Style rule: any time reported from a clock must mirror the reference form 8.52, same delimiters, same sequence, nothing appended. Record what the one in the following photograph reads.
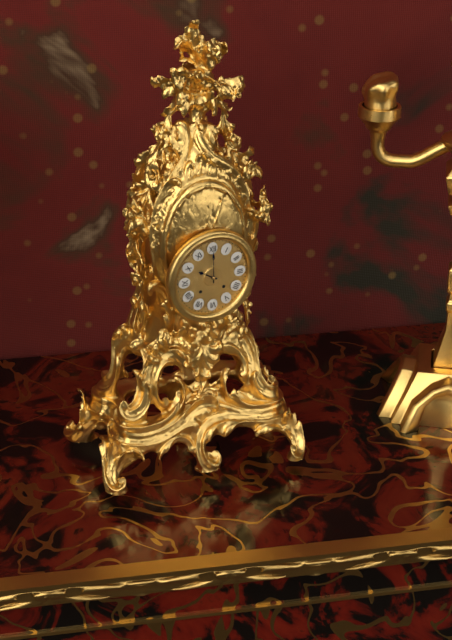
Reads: 10.00
